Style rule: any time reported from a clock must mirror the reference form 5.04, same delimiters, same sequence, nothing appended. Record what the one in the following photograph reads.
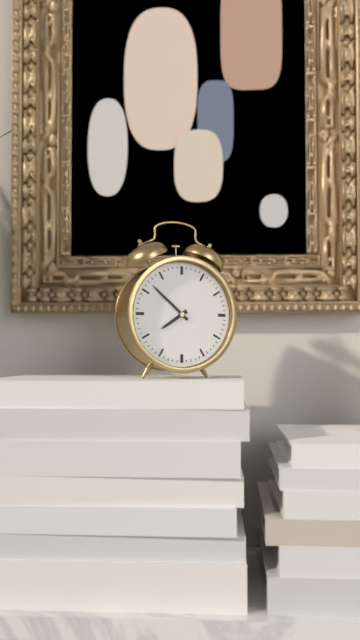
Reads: 7.52
